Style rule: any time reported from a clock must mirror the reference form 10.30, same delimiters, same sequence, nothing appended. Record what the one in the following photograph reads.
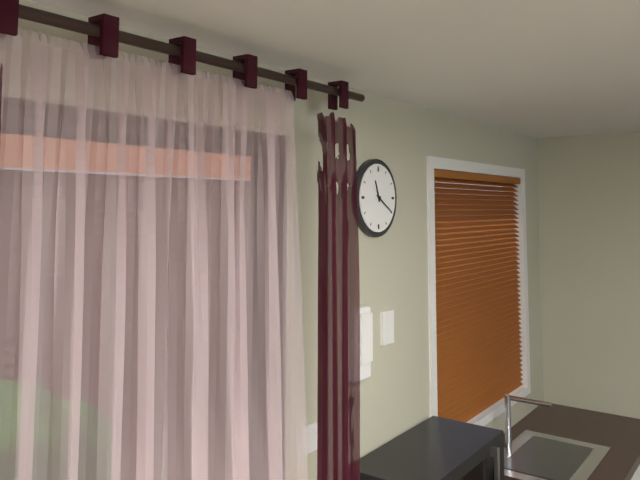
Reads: 11.20
